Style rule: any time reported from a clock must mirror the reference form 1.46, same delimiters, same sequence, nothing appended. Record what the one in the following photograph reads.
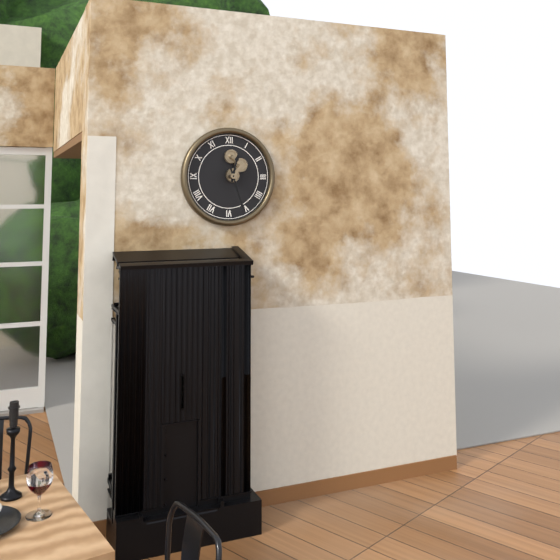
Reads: 12.27
